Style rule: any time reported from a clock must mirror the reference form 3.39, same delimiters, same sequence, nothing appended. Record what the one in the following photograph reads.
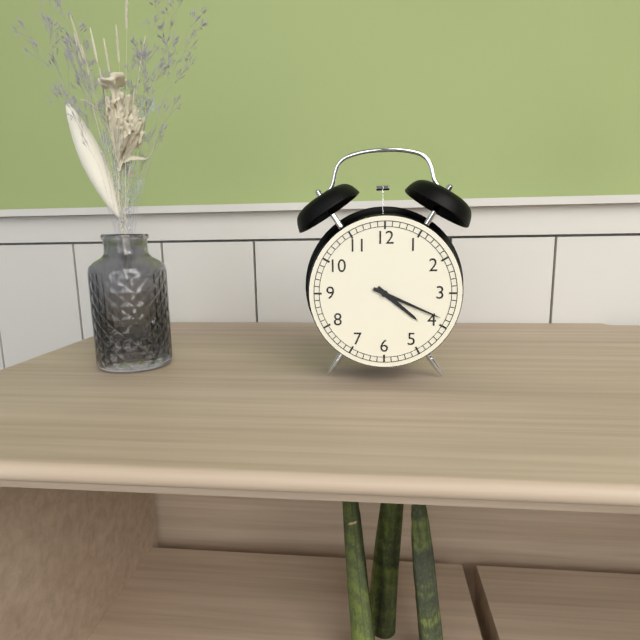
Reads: 4.19
